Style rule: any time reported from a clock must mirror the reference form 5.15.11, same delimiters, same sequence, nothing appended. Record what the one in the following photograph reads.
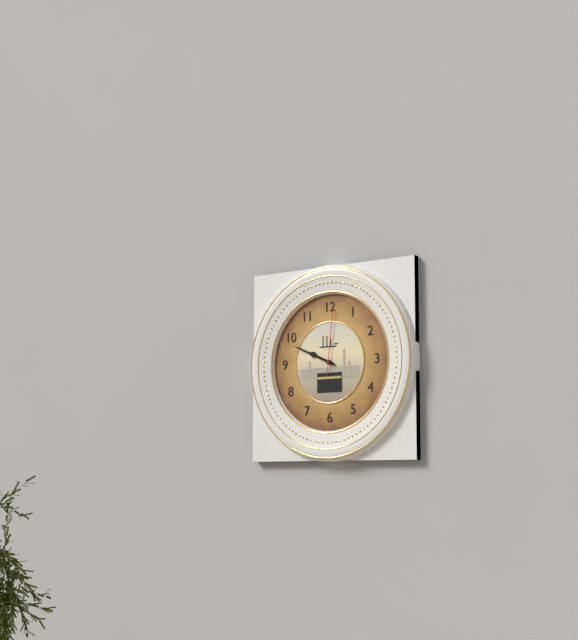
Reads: 9.49.01
